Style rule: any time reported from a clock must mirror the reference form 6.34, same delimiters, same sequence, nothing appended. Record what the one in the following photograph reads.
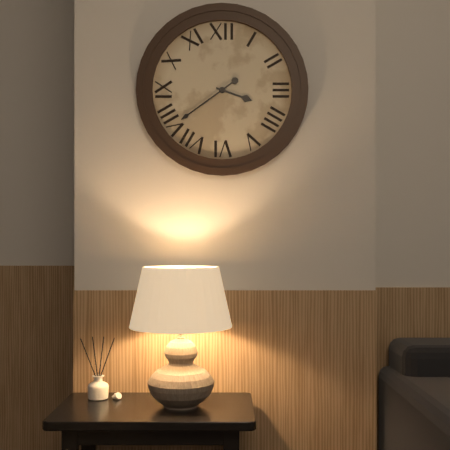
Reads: 3.39
